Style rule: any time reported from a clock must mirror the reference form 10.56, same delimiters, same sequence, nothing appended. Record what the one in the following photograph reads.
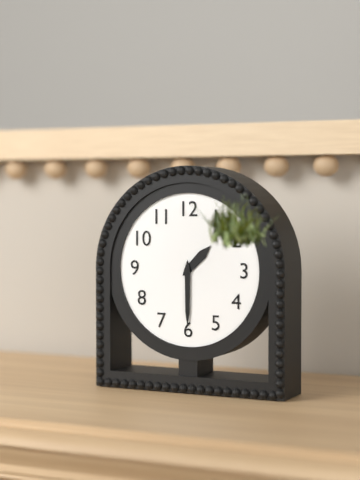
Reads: 1.30
